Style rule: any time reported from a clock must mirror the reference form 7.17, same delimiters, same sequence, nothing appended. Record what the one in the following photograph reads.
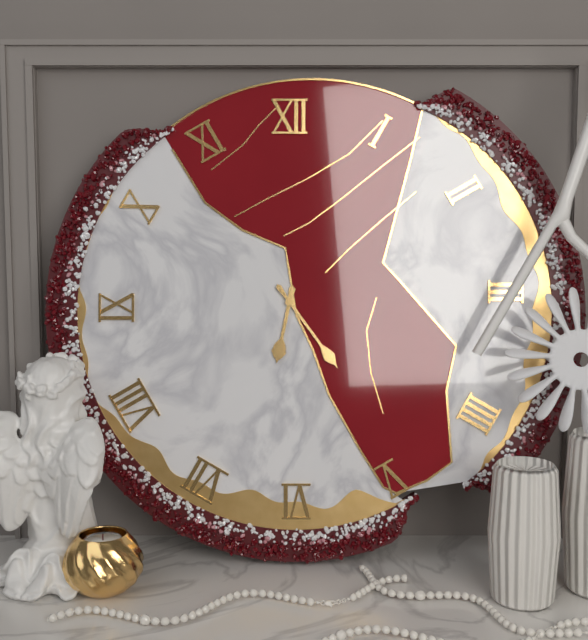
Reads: 6.24
